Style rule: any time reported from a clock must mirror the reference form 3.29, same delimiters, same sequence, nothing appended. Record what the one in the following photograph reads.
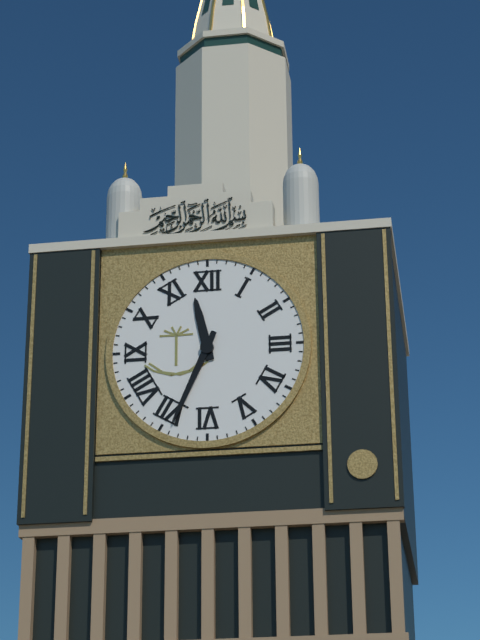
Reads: 11.34
